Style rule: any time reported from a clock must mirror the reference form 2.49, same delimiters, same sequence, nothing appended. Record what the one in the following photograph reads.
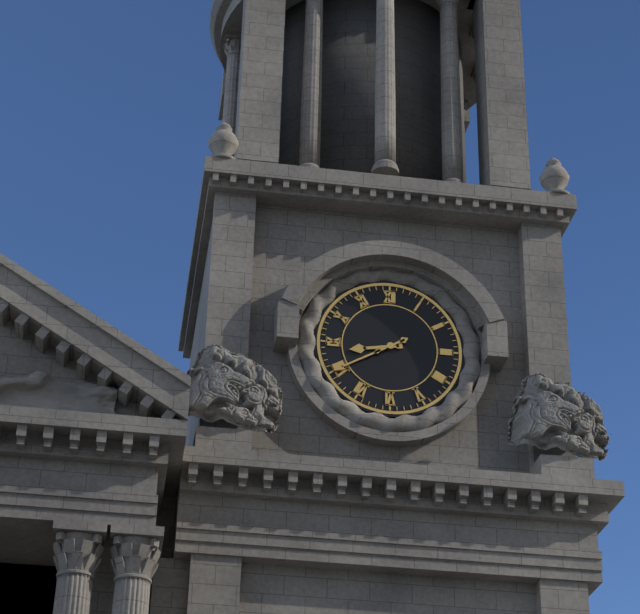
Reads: 8.40
